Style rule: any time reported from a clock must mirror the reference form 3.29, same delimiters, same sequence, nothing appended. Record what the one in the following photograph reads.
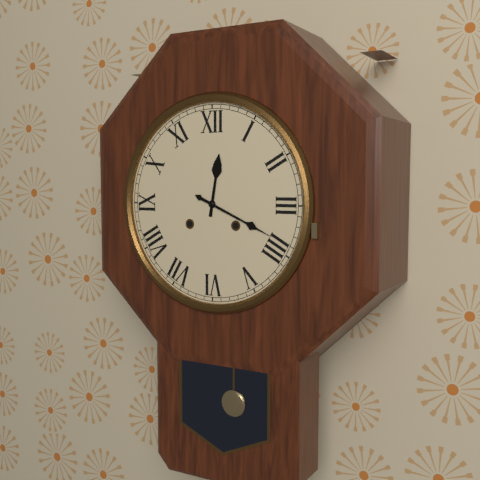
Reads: 12.19
